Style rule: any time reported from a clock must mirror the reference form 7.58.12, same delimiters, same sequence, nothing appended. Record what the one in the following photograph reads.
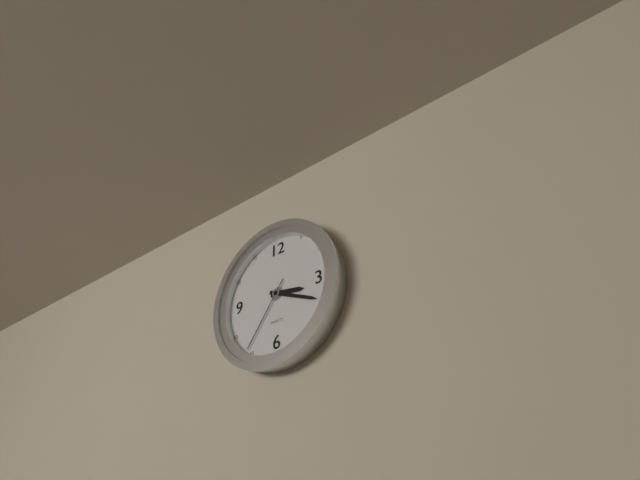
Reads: 3.19.36
